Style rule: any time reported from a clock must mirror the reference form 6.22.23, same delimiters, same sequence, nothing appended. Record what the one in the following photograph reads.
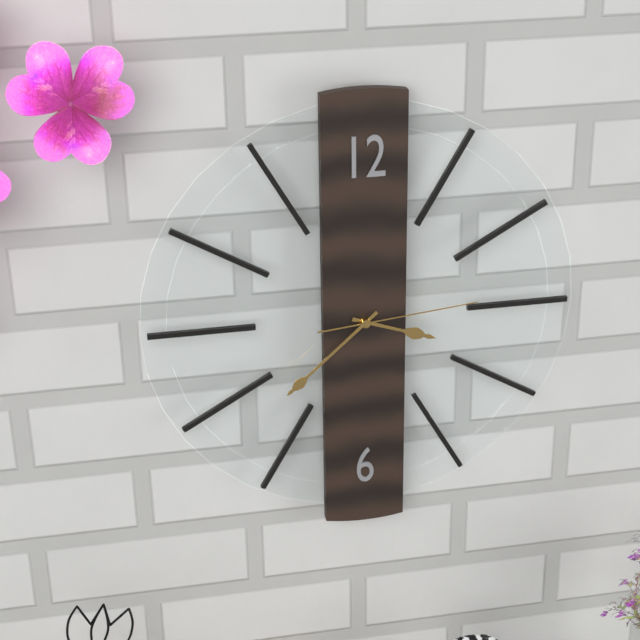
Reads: 3.38.14
